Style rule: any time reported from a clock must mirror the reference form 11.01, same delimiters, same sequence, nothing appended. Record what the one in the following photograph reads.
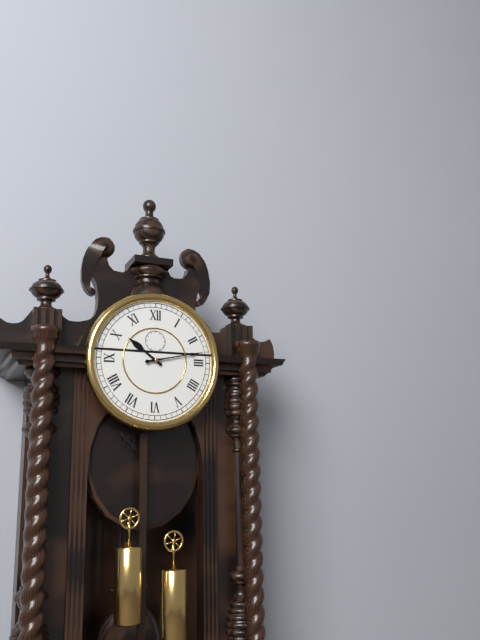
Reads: 10.13
